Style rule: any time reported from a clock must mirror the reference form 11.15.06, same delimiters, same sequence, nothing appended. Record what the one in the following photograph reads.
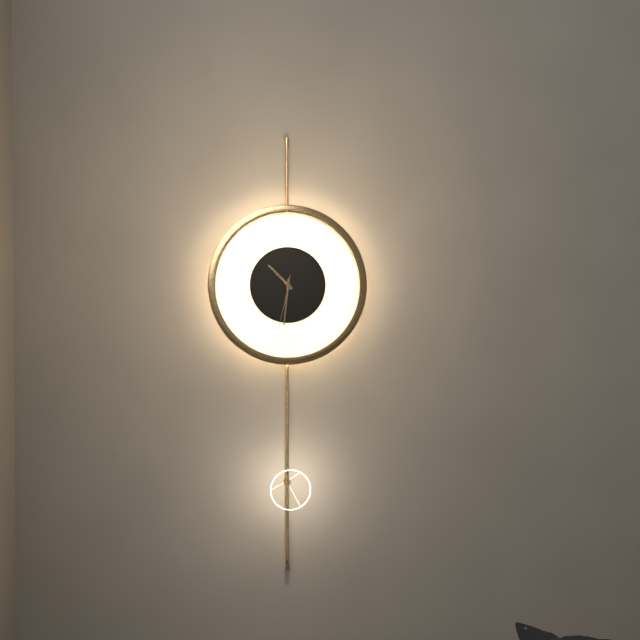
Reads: 10.31.32
